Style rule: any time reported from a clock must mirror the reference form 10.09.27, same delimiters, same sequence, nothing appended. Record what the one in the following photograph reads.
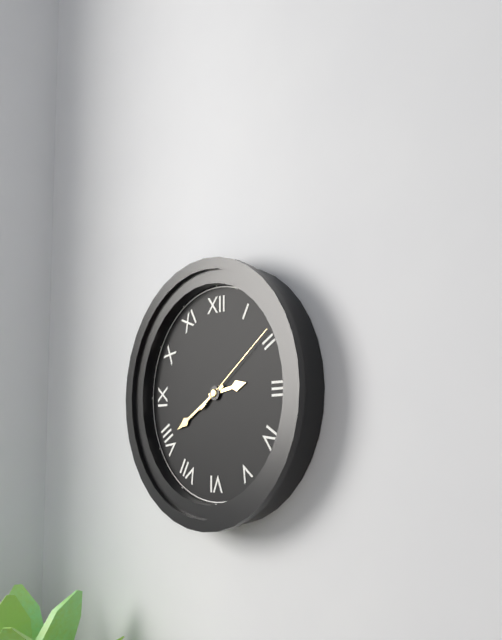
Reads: 2.40.09
